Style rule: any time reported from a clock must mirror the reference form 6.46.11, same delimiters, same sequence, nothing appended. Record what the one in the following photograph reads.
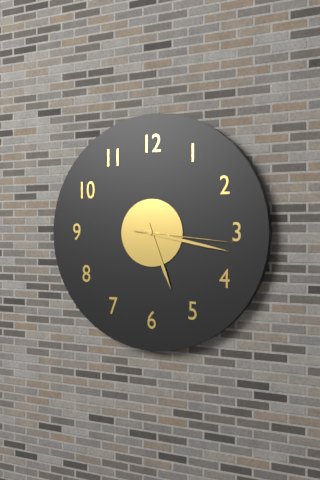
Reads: 5.17.16
